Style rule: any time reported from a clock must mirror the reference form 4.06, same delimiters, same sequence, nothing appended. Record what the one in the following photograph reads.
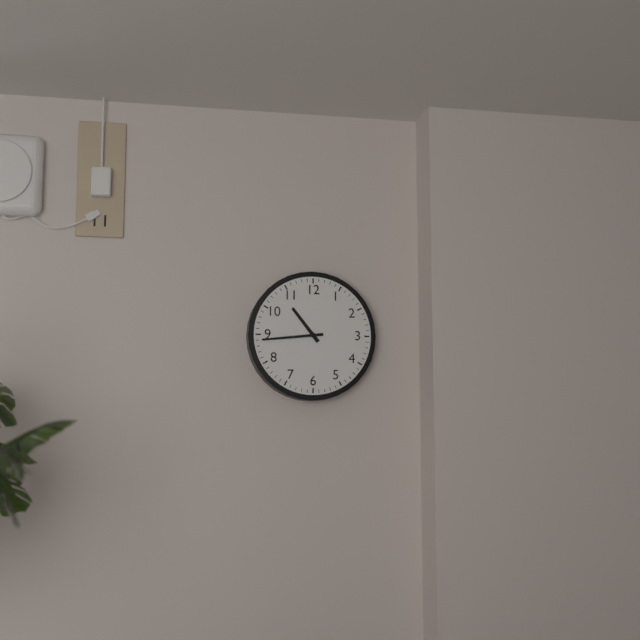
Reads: 10.44
